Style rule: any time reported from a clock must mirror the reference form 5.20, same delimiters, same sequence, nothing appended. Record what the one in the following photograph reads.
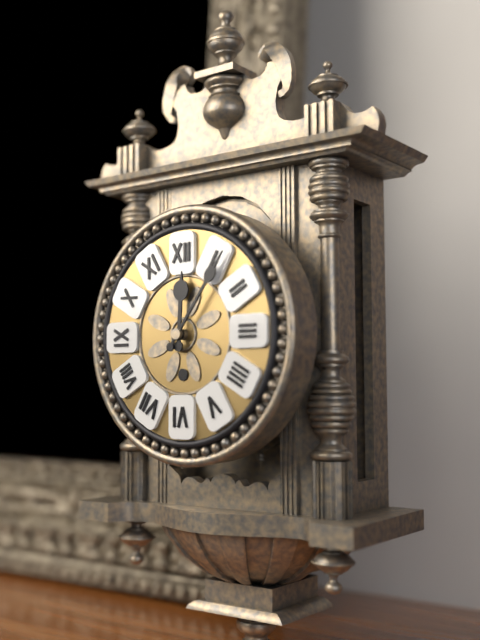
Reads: 12.06
